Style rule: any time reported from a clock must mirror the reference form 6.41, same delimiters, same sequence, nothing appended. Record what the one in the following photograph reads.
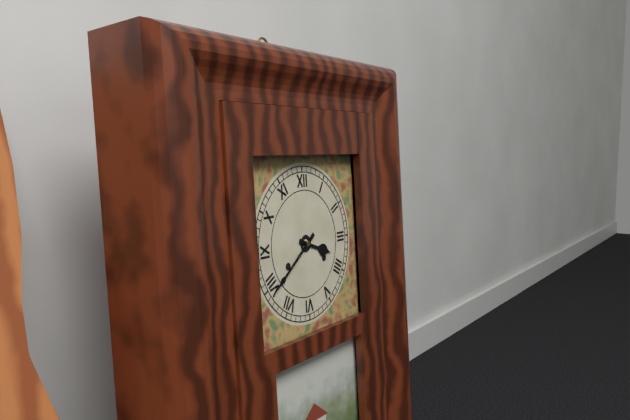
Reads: 3.39
